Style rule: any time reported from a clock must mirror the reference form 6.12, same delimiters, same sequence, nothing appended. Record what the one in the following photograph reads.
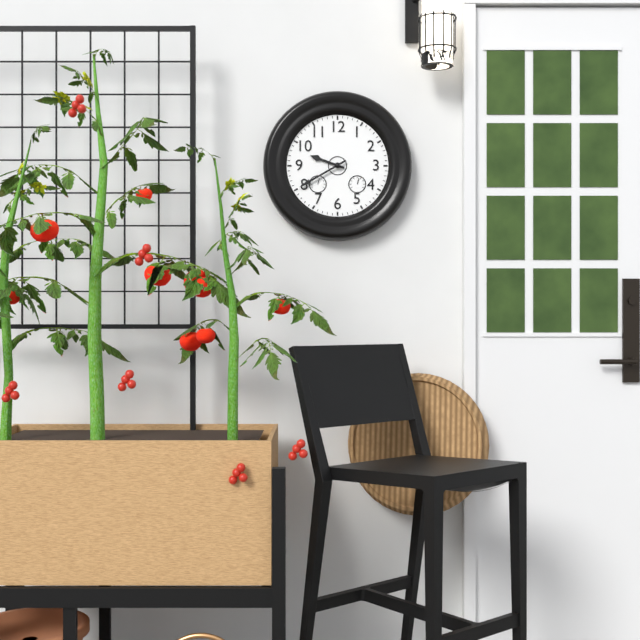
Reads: 9.40
